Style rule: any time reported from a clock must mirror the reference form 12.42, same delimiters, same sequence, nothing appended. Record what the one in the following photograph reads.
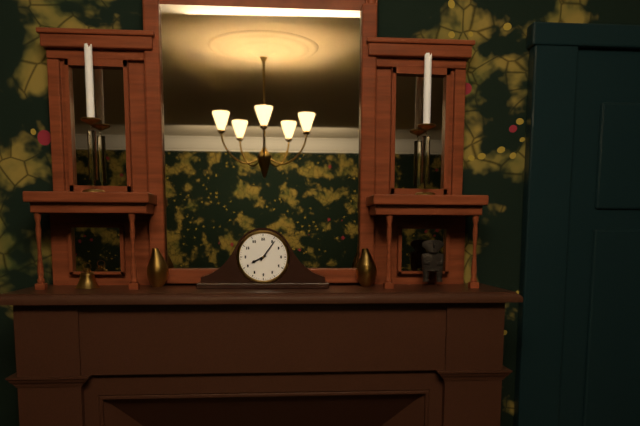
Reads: 8.06
